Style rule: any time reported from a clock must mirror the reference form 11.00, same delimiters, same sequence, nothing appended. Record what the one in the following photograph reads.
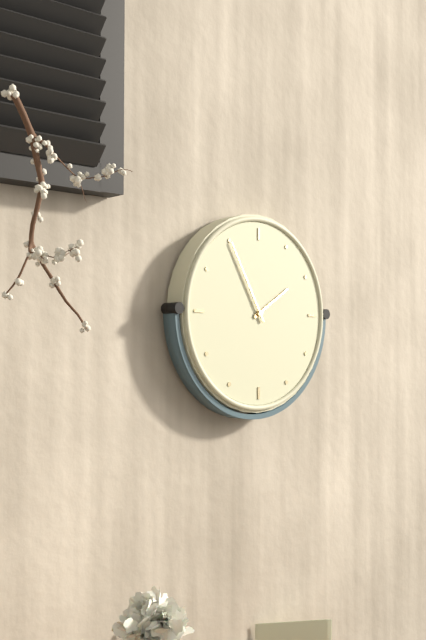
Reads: 1.55
